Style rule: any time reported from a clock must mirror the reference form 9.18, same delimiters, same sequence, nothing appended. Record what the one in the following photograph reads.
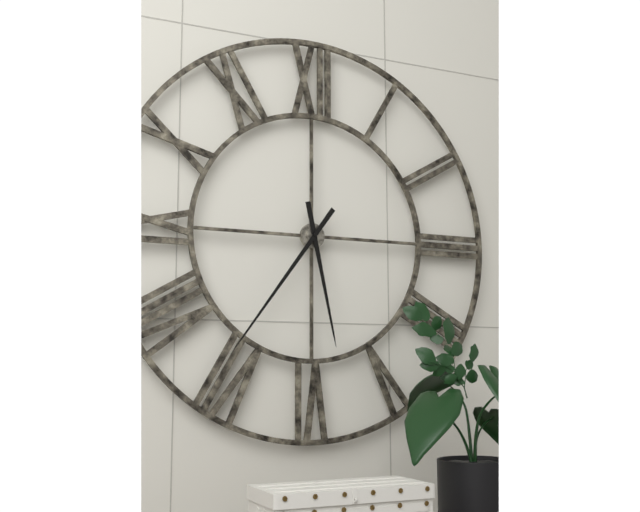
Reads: 5.36
